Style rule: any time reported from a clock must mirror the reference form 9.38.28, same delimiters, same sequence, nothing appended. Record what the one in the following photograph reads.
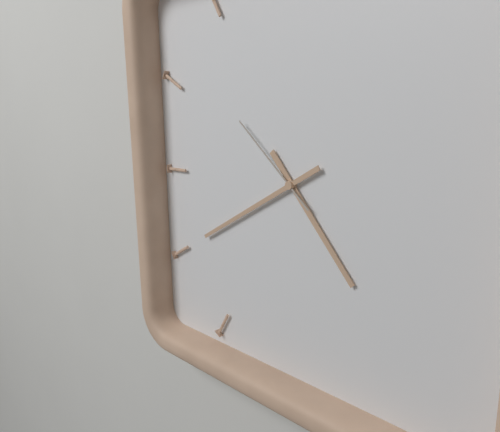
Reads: 4.40.52
